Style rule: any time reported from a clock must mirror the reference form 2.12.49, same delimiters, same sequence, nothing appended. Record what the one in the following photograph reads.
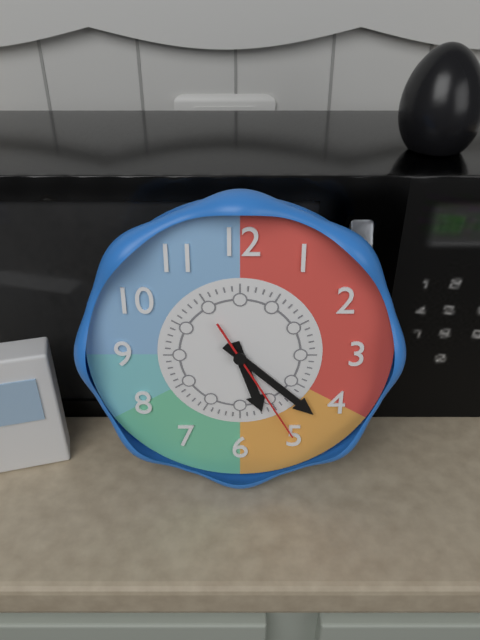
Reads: 5.22.25
